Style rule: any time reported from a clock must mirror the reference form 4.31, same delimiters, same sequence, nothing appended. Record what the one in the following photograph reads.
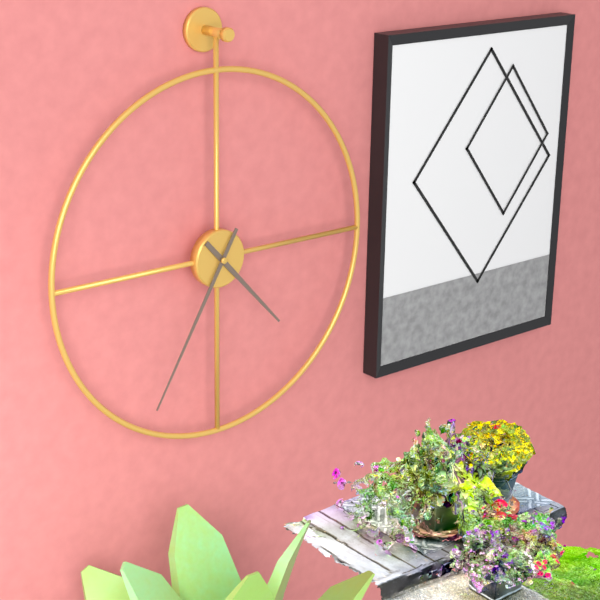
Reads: 4.35
